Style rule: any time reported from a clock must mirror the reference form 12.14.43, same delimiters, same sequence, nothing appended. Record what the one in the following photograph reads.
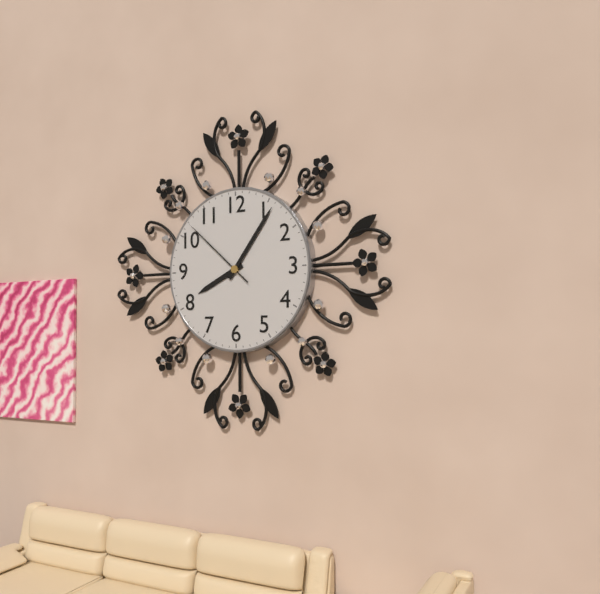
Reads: 8.06.52
